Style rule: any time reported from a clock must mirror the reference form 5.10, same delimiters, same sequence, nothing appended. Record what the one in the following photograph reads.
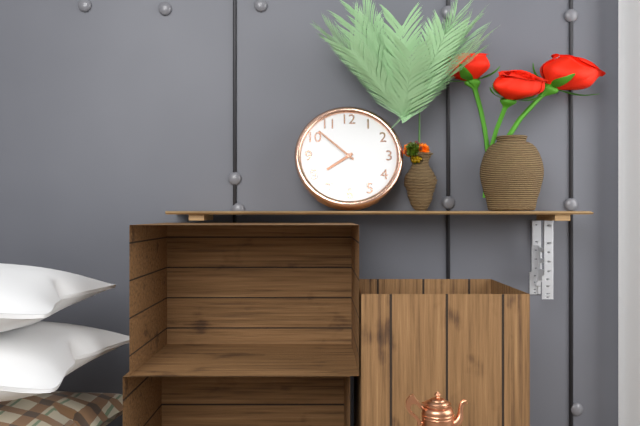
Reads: 7.52
